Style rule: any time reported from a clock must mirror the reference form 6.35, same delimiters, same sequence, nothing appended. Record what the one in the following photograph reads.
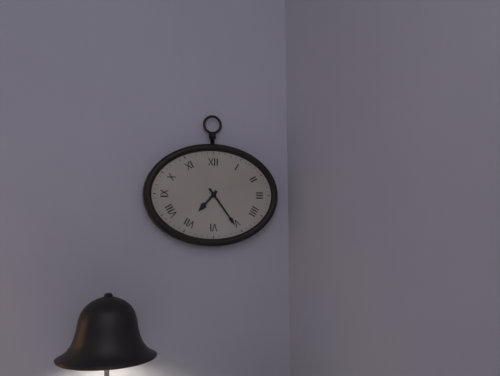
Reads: 7.24
